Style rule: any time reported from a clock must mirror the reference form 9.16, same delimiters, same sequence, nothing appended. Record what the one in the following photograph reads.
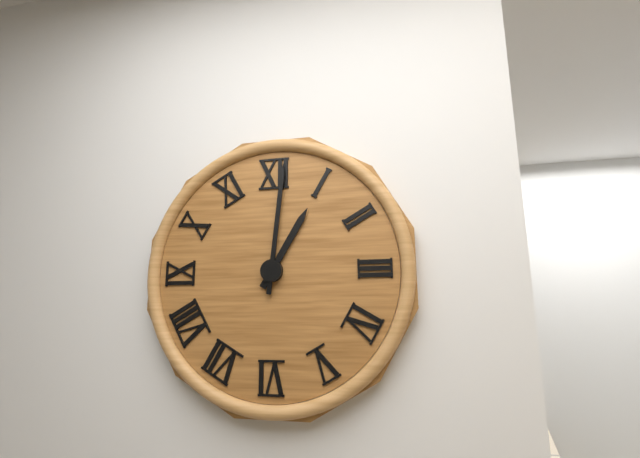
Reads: 1.01
